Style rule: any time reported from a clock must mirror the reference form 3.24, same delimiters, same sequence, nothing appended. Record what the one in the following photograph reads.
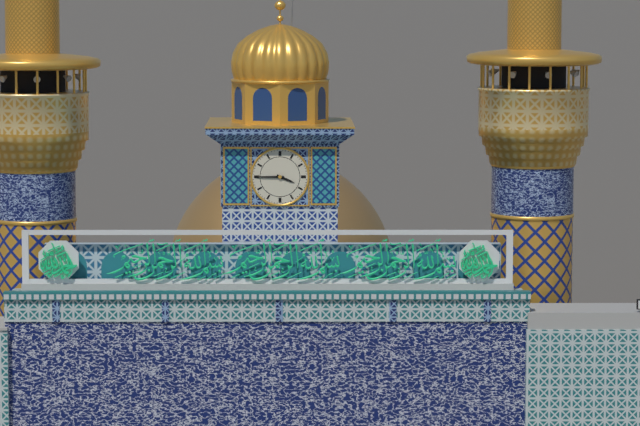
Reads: 3.45
